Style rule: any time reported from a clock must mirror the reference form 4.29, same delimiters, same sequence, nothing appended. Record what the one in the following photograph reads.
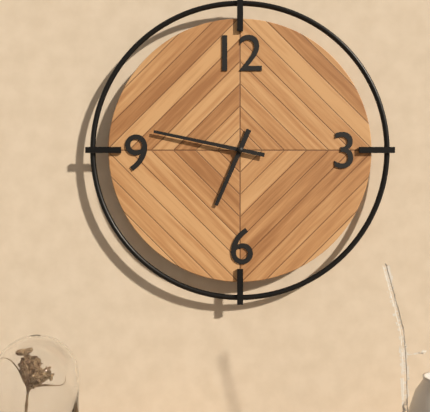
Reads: 6.47
